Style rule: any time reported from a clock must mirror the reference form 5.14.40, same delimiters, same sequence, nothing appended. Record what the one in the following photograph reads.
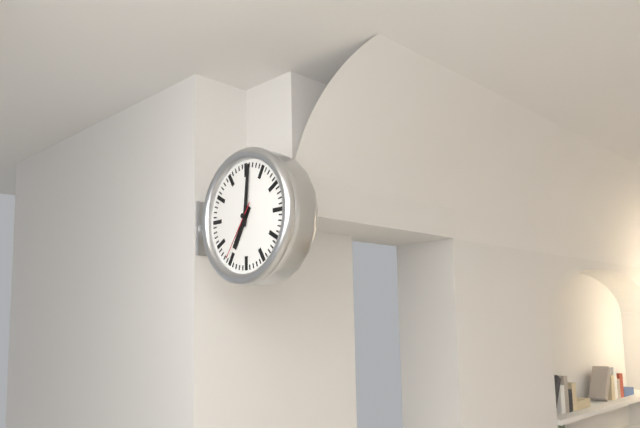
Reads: 7.01.36
